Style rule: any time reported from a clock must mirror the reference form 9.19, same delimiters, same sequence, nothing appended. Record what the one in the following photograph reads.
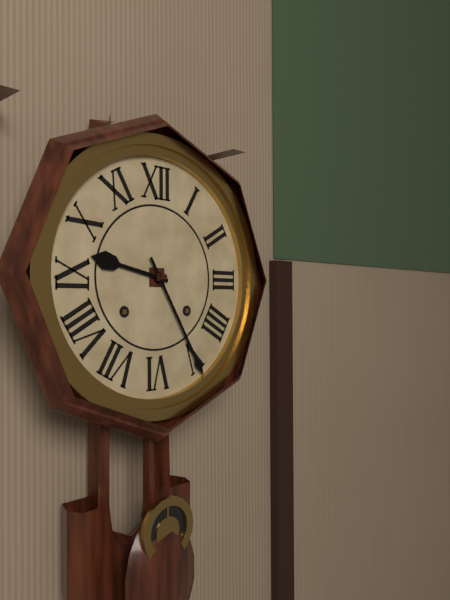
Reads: 9.25
